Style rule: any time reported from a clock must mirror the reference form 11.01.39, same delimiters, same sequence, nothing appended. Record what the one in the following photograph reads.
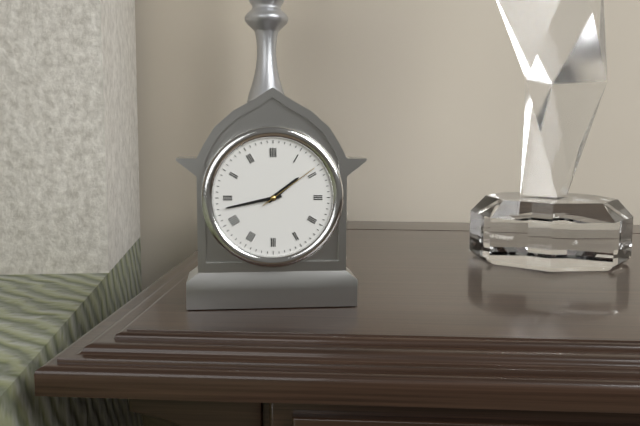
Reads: 1.43.09
